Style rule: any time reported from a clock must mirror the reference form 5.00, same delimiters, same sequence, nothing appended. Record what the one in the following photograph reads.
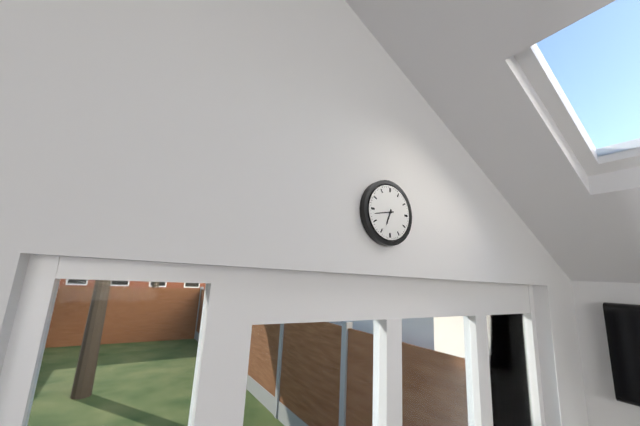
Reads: 6.43
